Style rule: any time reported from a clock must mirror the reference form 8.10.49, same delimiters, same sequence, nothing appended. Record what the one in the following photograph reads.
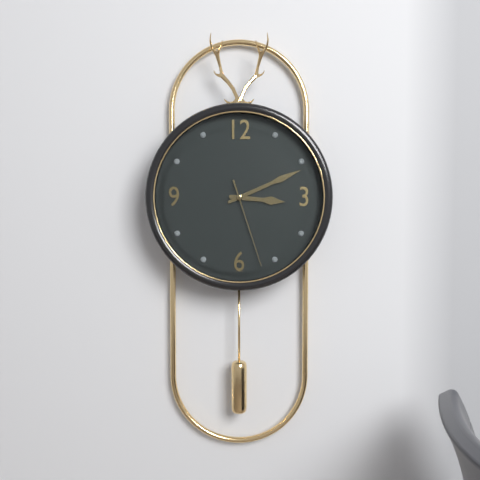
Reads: 3.11.27
